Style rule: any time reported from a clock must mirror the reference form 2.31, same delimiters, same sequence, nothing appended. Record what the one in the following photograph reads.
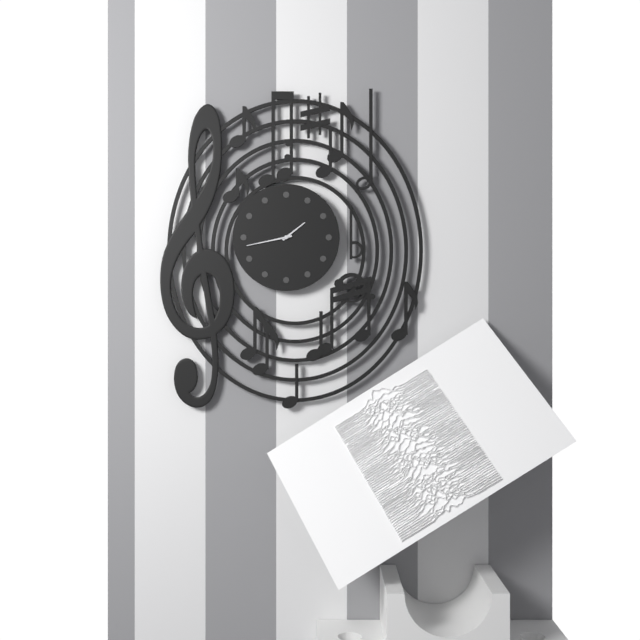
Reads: 1.43
